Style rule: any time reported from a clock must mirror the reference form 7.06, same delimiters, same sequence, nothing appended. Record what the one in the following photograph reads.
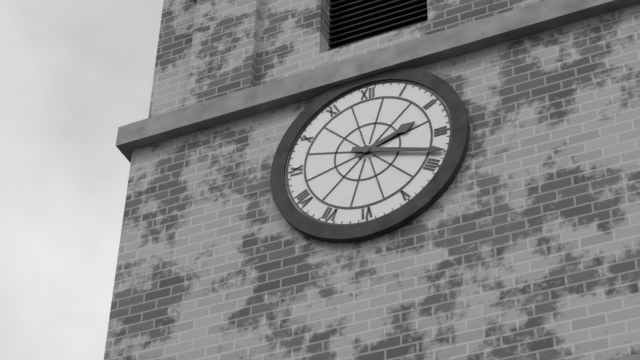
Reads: 2.18
